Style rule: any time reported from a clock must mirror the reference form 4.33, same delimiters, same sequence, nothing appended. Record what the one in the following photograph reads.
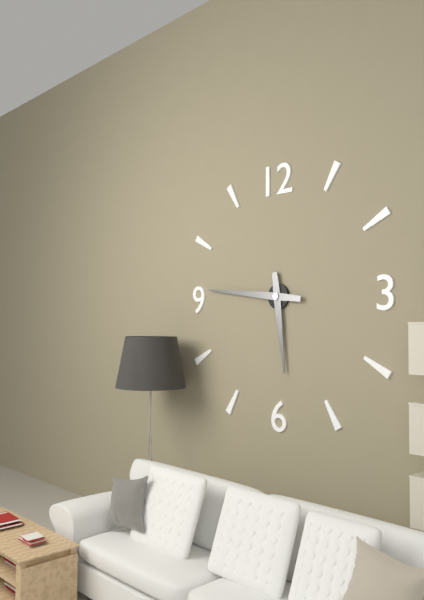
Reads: 5.46
